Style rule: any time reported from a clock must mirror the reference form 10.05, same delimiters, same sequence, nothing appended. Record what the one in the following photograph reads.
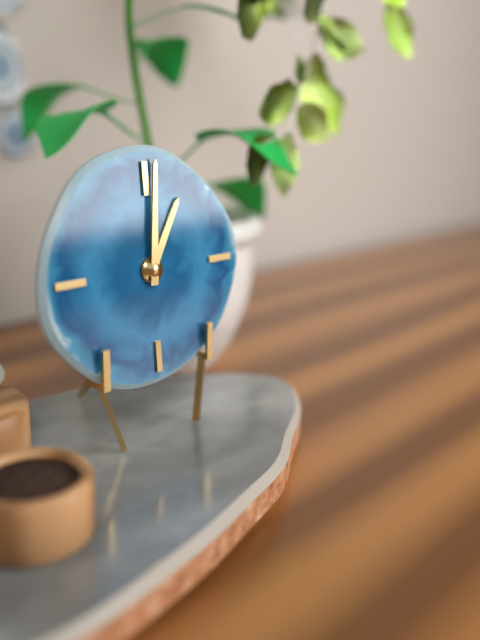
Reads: 1.01
